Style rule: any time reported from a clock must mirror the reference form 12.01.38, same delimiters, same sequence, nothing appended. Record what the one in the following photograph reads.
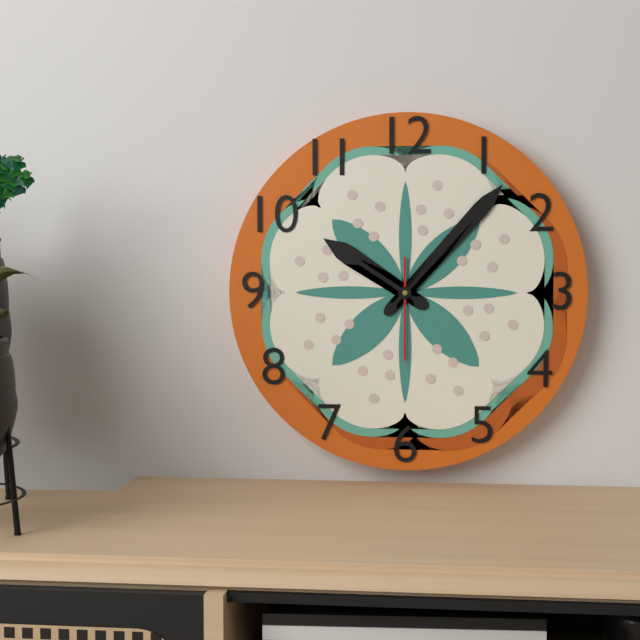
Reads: 10.07.30
